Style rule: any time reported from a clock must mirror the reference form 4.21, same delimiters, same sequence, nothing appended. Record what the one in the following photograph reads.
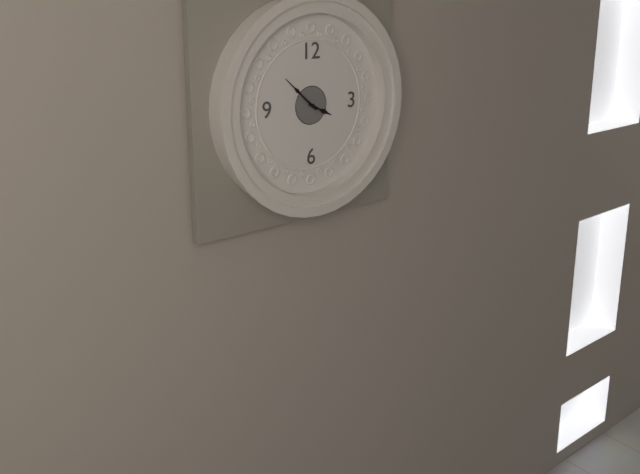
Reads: 3.52
